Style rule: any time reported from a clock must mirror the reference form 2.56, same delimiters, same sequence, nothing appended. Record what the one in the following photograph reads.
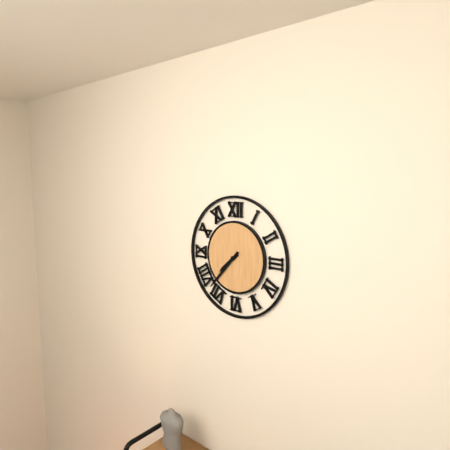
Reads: 7.37
